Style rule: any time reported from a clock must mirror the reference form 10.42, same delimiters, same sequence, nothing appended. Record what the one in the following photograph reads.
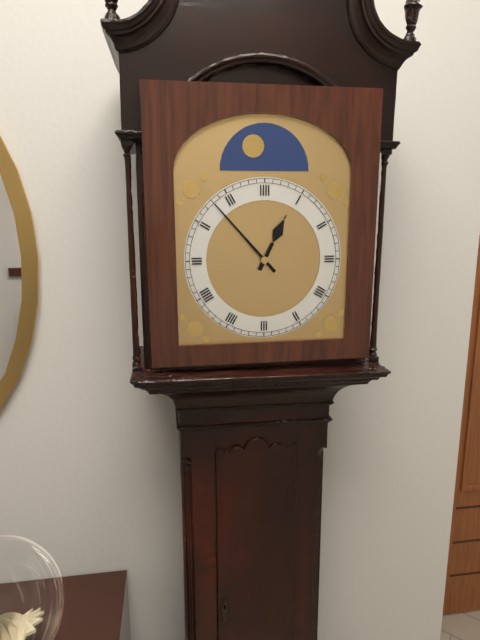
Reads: 12.53
